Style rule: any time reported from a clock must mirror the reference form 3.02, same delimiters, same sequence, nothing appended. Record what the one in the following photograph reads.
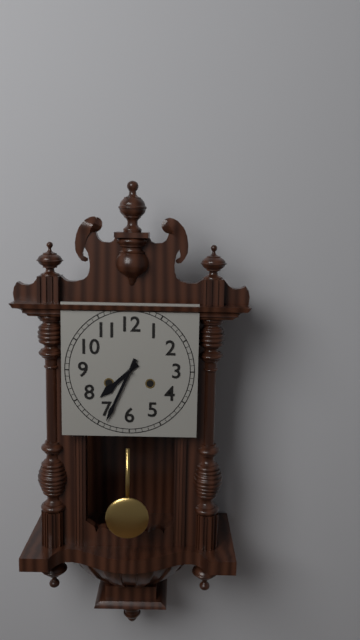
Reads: 7.34
